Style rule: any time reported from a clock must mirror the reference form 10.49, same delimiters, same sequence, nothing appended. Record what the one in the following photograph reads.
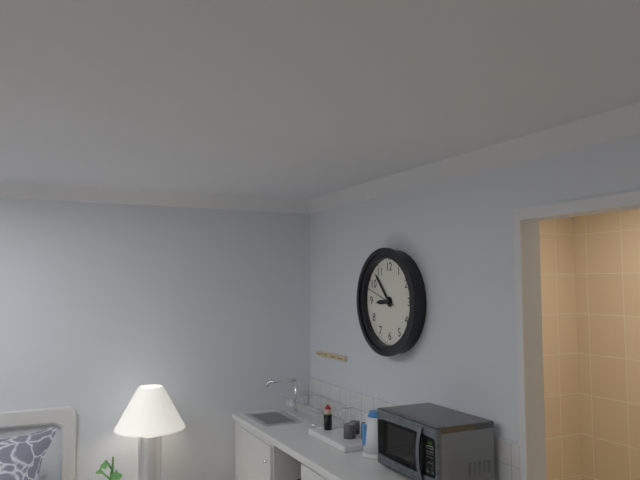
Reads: 8.53
